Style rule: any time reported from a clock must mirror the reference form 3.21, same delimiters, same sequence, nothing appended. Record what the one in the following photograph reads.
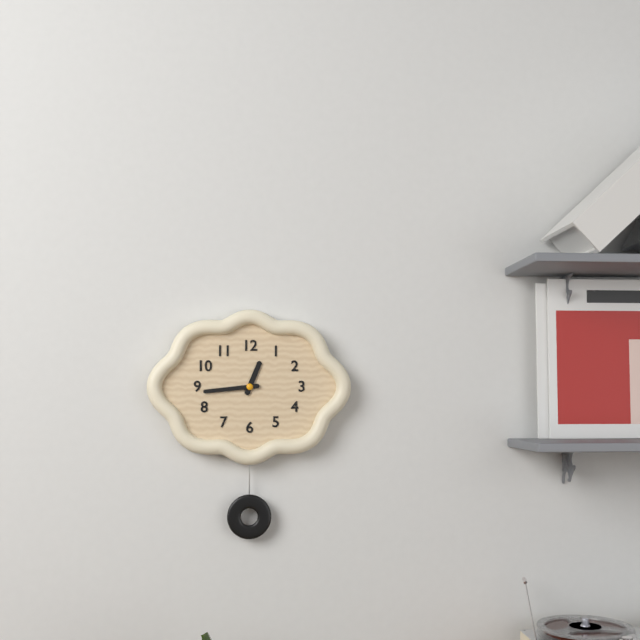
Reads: 12.44
